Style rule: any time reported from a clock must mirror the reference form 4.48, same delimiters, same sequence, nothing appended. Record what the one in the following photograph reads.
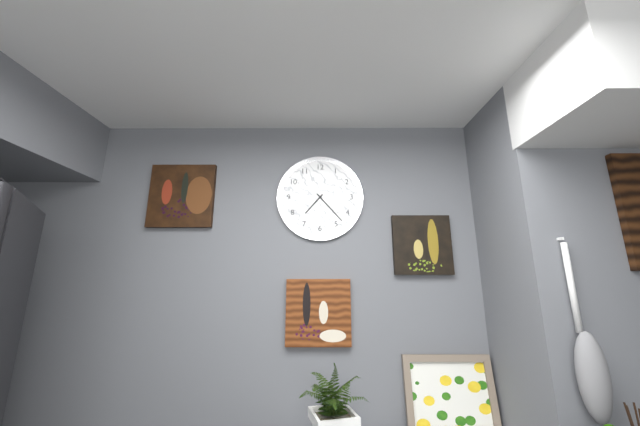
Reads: 7.23
